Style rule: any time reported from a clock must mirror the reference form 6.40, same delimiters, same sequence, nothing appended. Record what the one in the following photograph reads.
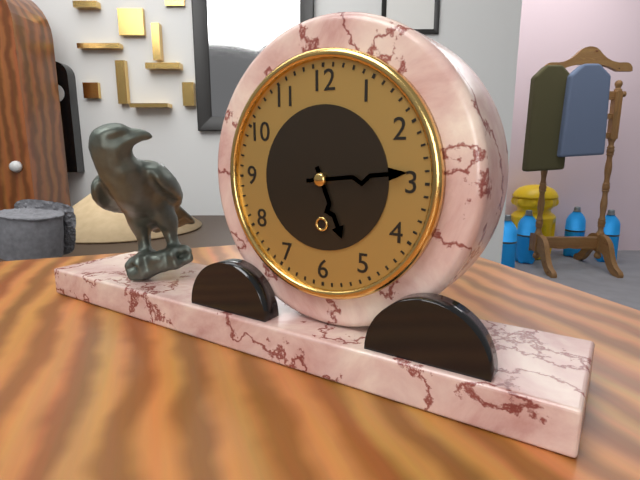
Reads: 5.14
